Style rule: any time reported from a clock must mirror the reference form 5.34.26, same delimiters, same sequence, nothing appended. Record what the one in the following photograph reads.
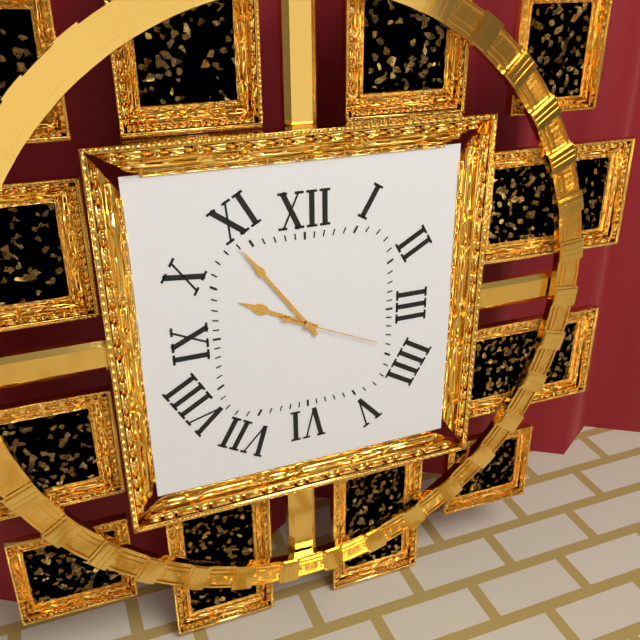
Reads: 9.54.19
